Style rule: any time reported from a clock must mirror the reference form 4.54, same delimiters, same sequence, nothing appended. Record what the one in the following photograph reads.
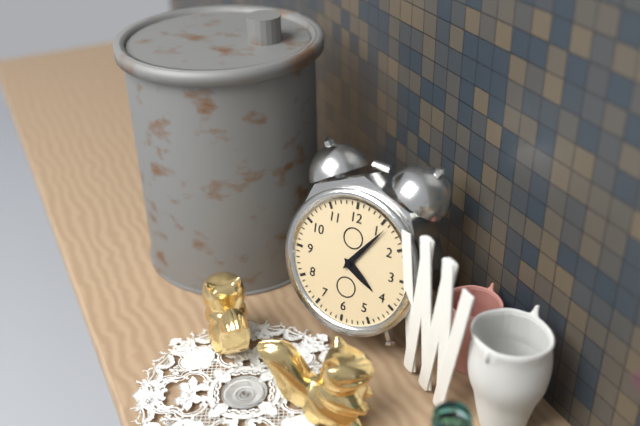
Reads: 4.06
